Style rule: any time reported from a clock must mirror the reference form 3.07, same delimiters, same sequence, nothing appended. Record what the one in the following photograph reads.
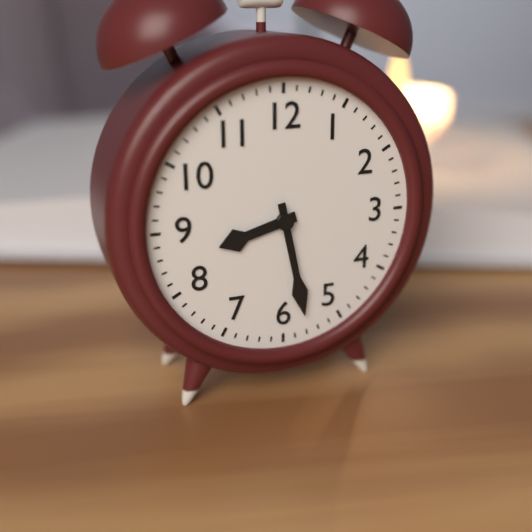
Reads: 8.28
